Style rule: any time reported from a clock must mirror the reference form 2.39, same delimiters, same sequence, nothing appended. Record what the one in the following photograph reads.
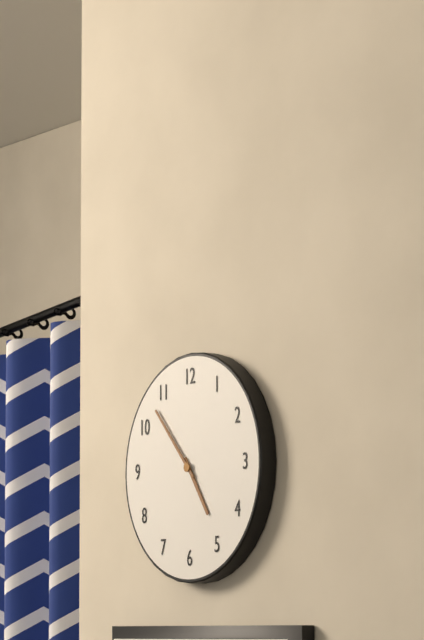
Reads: 4.53
